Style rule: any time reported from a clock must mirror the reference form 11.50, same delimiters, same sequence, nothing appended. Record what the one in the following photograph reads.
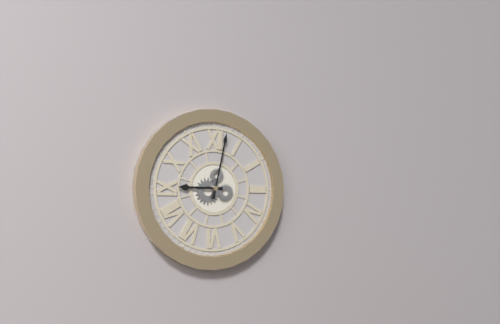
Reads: 9.02
